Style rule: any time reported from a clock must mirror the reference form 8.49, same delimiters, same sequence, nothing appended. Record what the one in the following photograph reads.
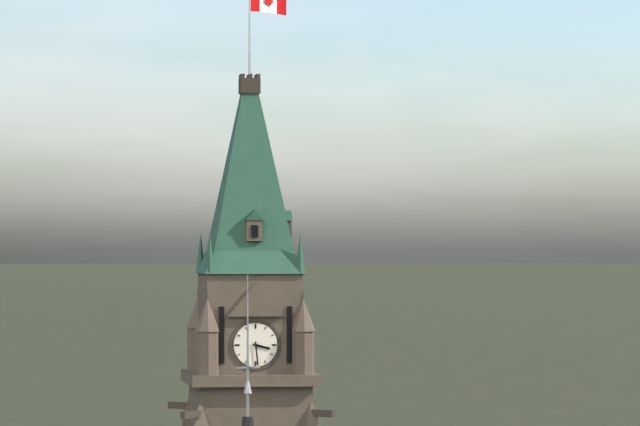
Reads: 3.29
